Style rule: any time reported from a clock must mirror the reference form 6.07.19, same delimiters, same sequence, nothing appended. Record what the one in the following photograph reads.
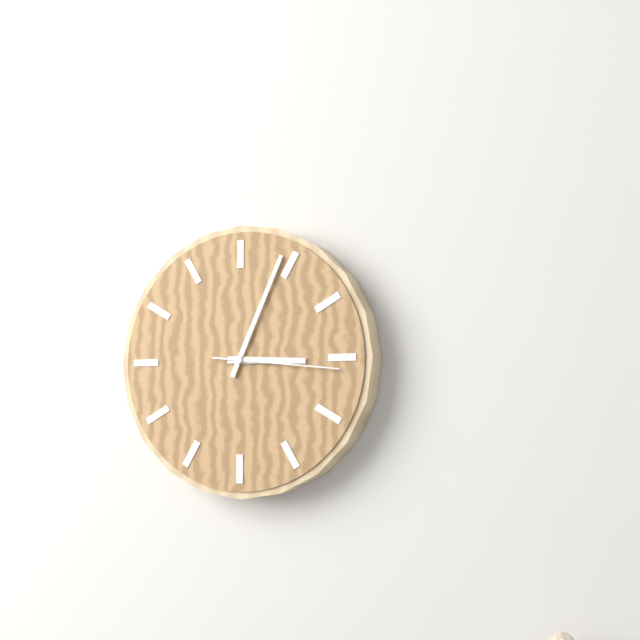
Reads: 3.04.16
